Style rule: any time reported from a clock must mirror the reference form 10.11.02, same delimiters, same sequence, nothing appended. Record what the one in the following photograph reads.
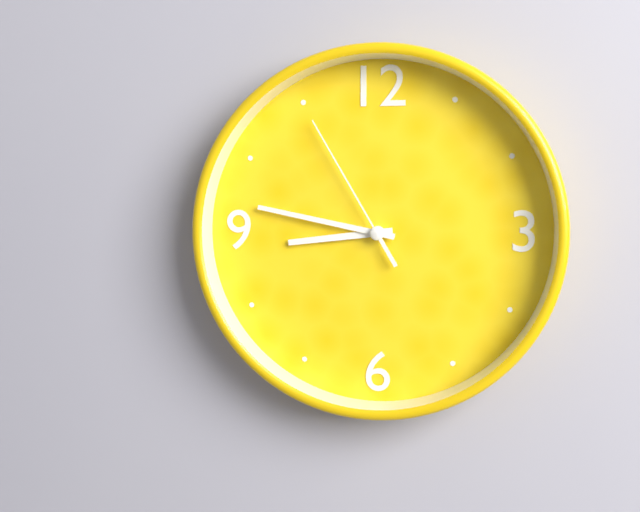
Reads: 8.47.55
